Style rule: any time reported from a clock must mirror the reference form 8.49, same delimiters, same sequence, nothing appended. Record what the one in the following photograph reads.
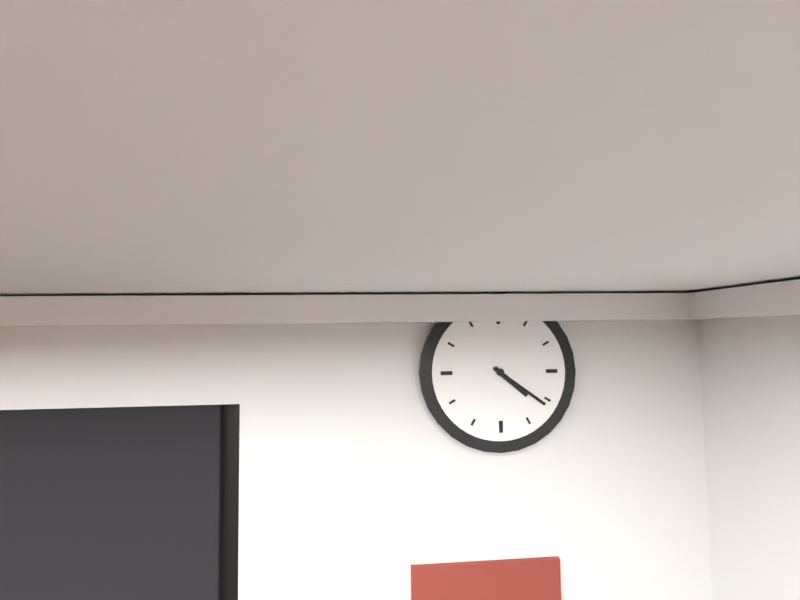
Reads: 4.21
